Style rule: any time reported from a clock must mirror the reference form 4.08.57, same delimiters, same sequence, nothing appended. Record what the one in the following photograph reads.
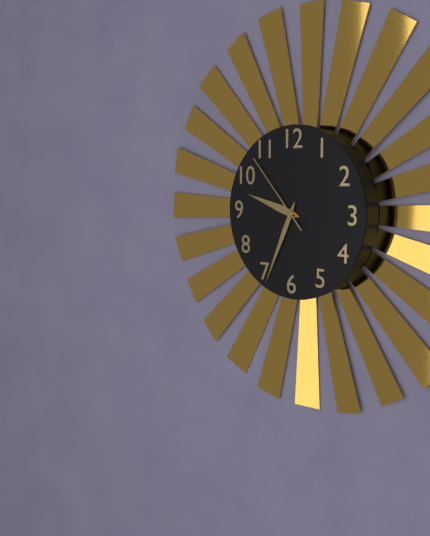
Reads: 9.34.53
